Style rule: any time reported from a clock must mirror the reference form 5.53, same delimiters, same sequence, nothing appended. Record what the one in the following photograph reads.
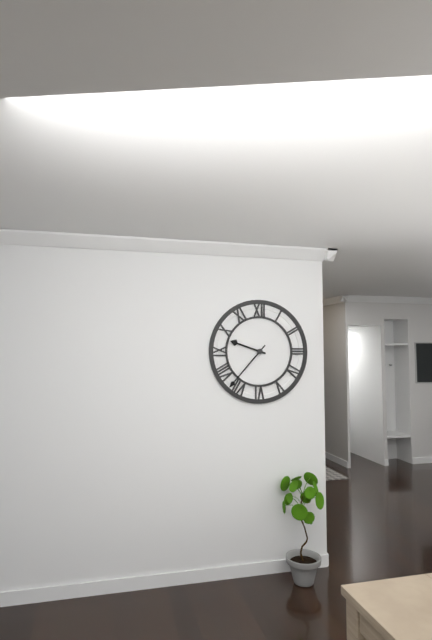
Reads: 9.37
